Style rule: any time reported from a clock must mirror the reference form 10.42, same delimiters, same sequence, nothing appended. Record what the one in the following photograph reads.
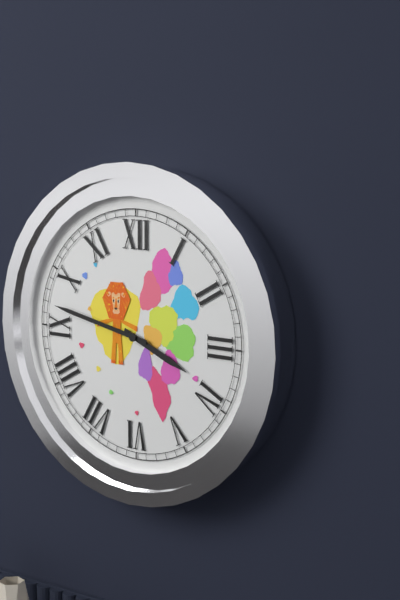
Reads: 3.47
